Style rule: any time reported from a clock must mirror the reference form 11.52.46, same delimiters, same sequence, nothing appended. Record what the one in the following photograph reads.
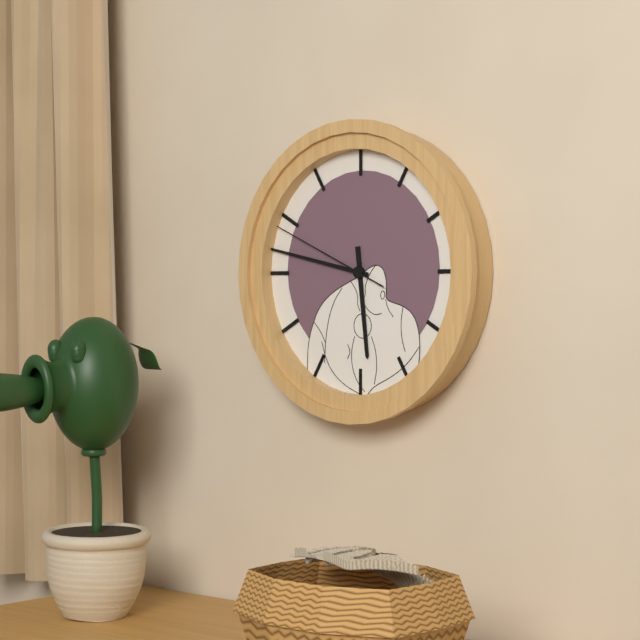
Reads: 5.47.49
